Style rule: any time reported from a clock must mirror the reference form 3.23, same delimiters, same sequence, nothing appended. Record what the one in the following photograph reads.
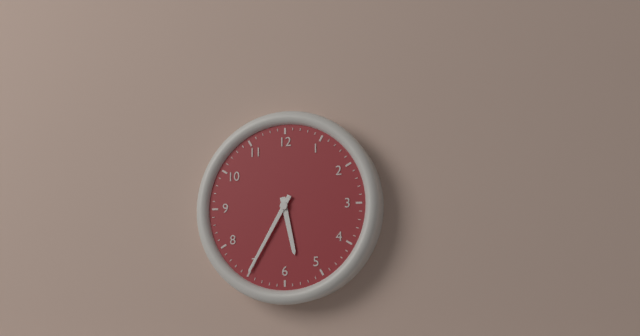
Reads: 5.35
